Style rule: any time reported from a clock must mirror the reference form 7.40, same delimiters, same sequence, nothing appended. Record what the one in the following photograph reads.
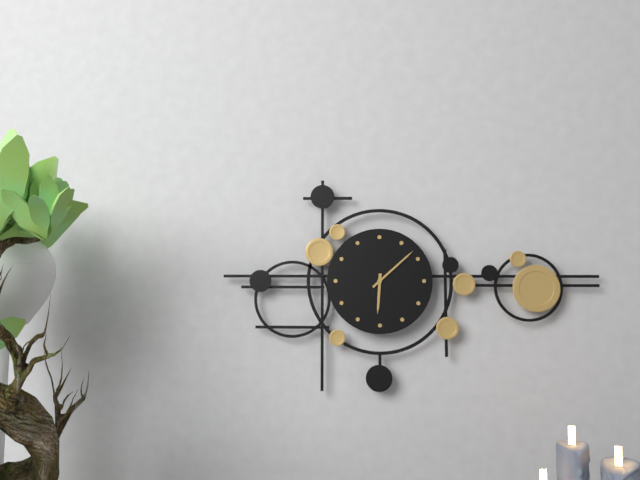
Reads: 6.08
